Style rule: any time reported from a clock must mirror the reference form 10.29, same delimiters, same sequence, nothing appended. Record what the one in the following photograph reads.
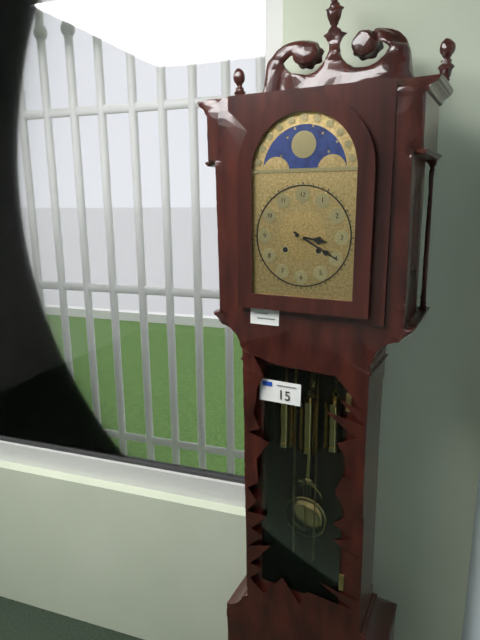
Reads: 3.20
